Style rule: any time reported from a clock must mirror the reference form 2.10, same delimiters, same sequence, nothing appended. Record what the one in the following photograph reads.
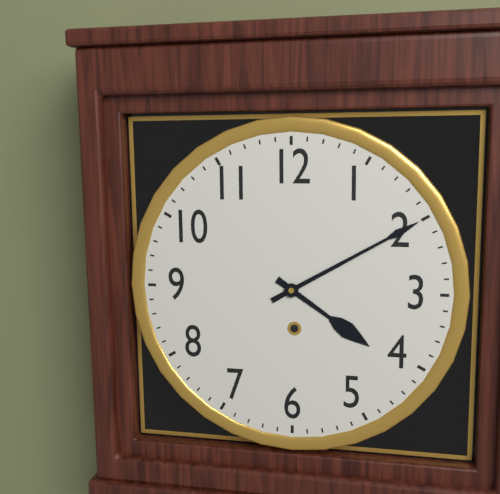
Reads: 4.10
